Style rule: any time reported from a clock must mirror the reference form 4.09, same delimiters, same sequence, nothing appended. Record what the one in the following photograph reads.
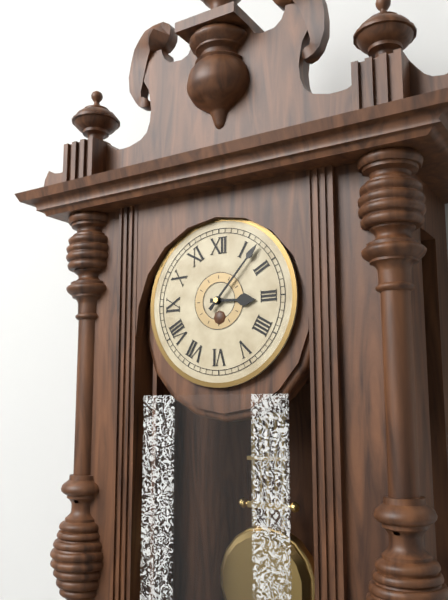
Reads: 3.07
